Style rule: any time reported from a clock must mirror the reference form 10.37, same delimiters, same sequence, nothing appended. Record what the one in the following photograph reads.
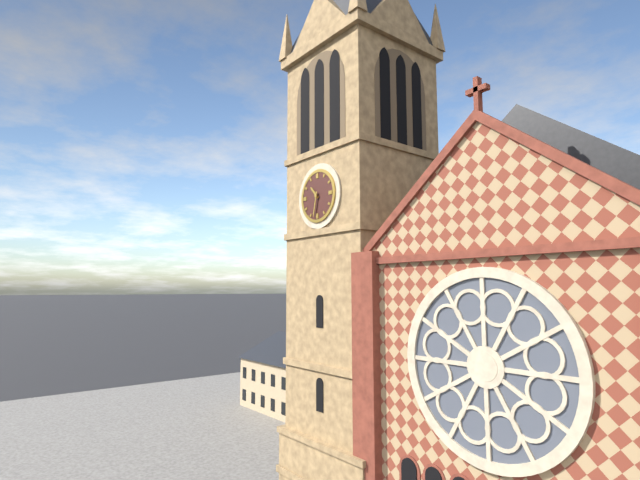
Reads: 10.32
